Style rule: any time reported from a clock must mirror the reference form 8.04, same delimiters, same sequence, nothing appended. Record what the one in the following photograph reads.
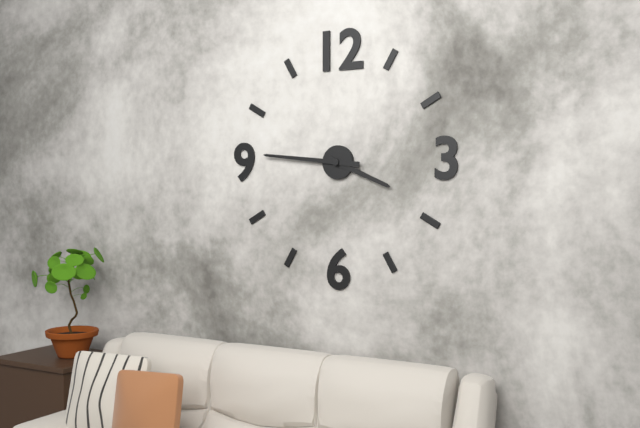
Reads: 3.46
